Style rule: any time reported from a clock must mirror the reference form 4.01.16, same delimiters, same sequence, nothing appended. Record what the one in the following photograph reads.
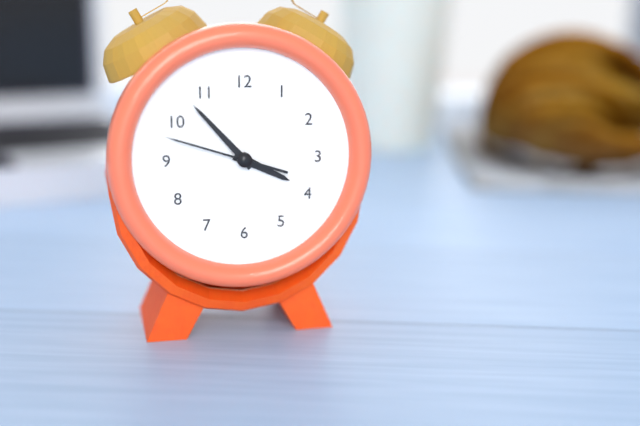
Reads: 3.53.48
